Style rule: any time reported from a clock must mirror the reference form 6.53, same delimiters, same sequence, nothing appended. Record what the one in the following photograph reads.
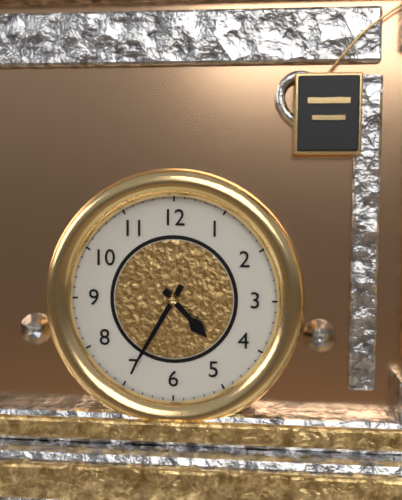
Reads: 4.35
